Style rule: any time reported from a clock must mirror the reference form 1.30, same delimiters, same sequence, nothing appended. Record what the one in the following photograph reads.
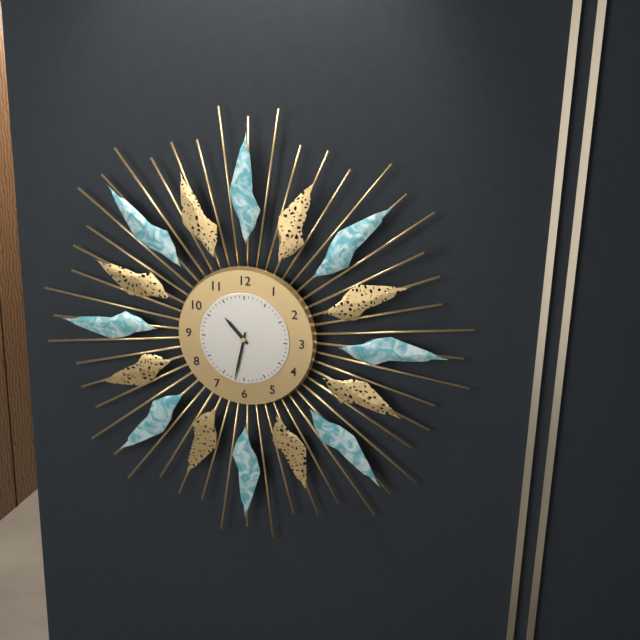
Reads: 10.32
